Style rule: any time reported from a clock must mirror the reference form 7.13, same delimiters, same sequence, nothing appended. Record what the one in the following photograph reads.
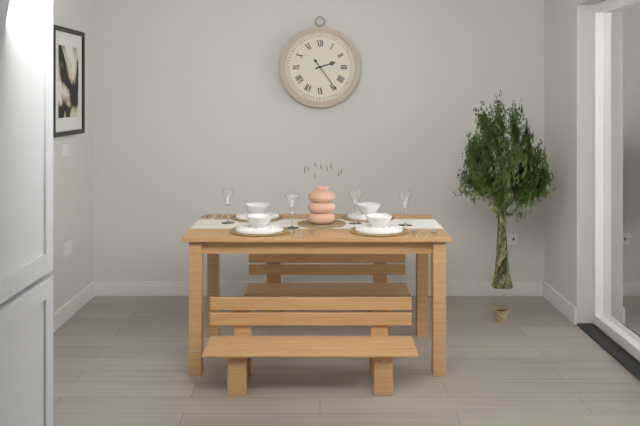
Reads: 2.24
